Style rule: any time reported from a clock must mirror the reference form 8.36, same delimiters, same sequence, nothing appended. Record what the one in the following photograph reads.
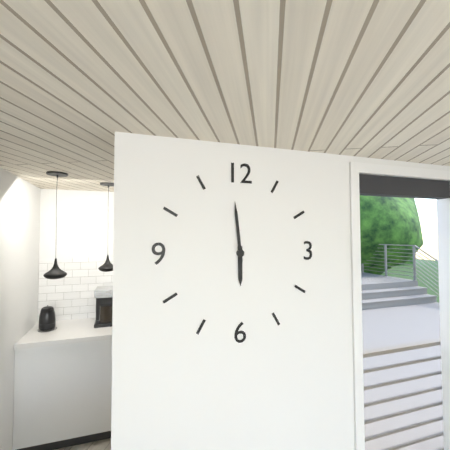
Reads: 5.59
